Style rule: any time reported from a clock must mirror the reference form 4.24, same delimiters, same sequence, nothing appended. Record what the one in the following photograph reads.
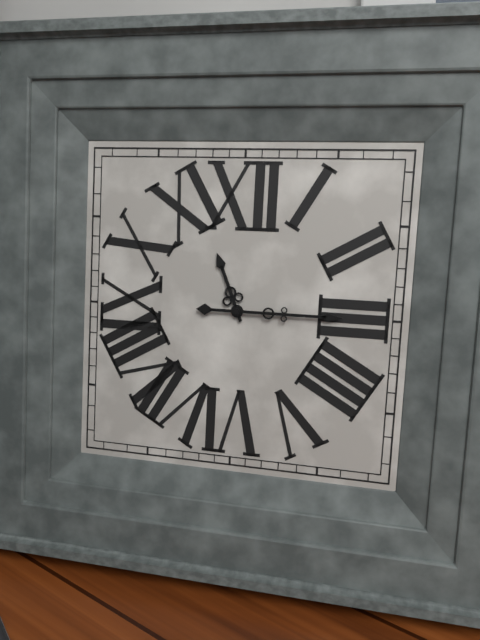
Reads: 11.15
